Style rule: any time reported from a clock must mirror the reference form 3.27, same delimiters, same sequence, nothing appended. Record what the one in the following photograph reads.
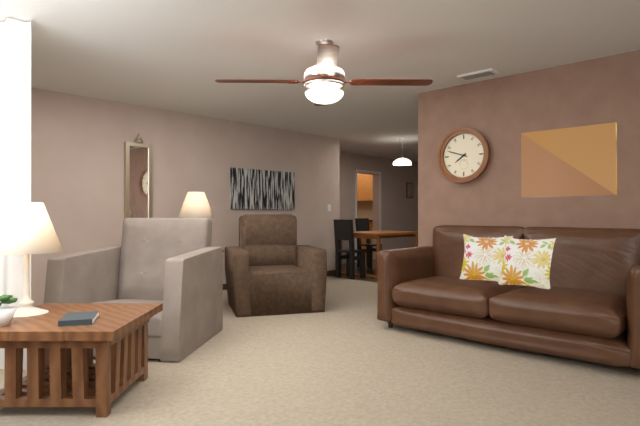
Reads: 7.48
